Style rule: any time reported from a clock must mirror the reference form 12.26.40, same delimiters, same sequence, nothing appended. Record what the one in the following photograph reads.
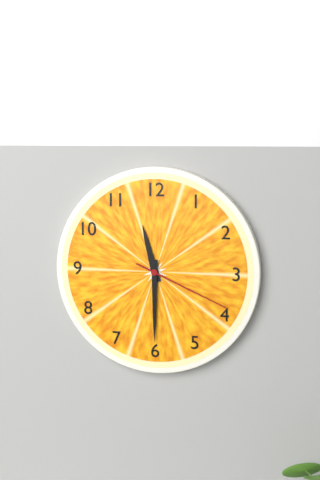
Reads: 11.30.19
